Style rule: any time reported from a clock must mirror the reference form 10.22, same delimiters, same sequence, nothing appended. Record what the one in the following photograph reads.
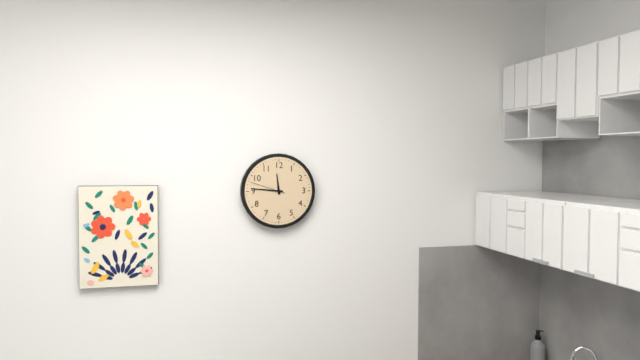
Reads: 11.46
